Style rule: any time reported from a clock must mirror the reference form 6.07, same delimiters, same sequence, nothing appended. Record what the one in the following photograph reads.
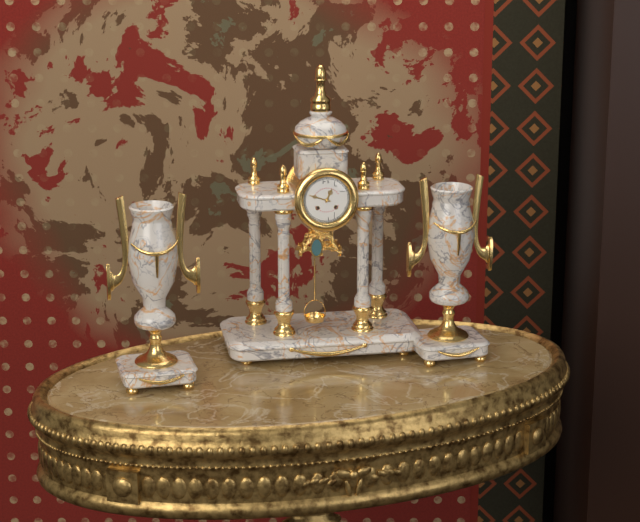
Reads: 12.48
